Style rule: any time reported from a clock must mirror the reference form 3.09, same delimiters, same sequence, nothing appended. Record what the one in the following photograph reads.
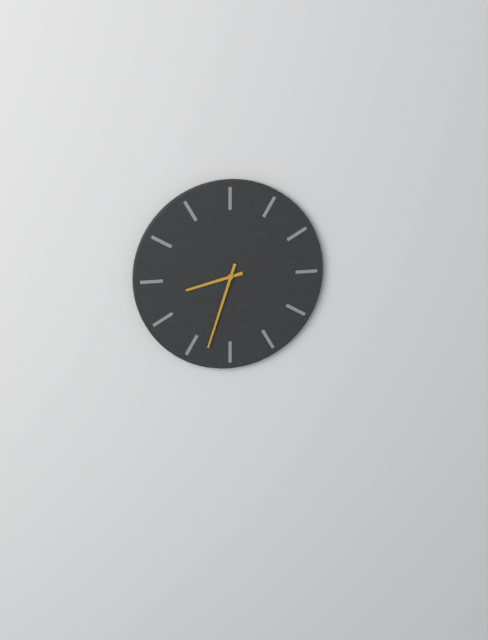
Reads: 8.33
